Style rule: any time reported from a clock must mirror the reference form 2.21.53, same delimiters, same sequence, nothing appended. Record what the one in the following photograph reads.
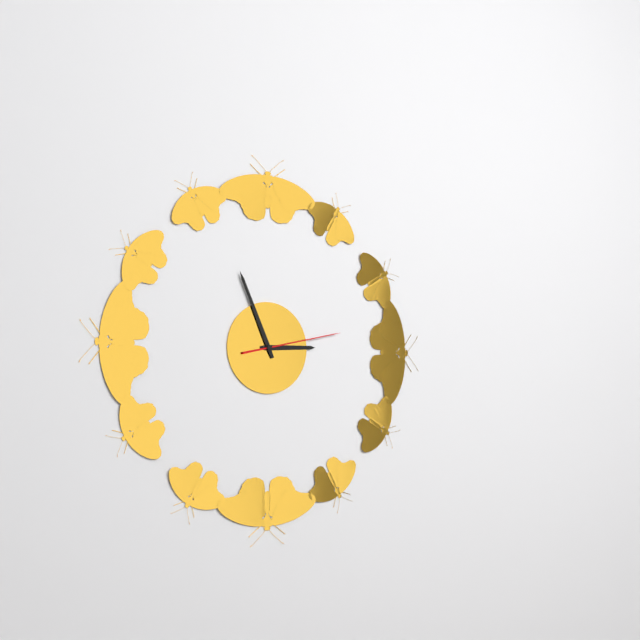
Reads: 2.56.13
